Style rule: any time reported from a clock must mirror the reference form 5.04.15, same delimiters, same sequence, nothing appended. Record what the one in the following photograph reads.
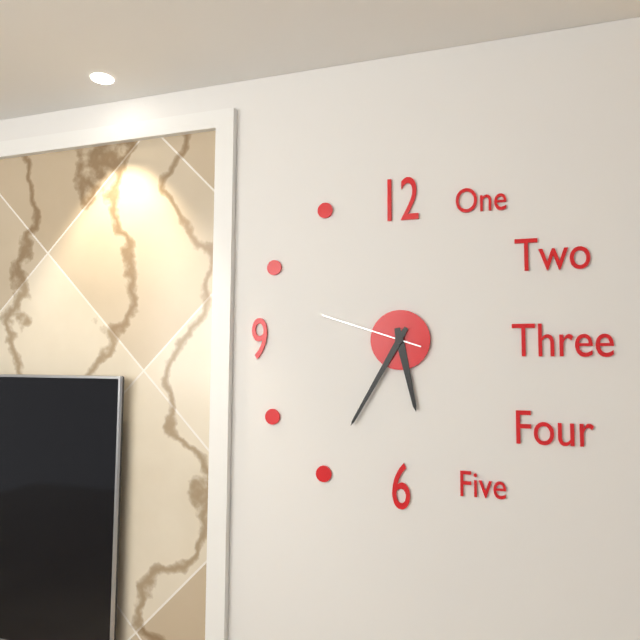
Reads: 5.35.48
